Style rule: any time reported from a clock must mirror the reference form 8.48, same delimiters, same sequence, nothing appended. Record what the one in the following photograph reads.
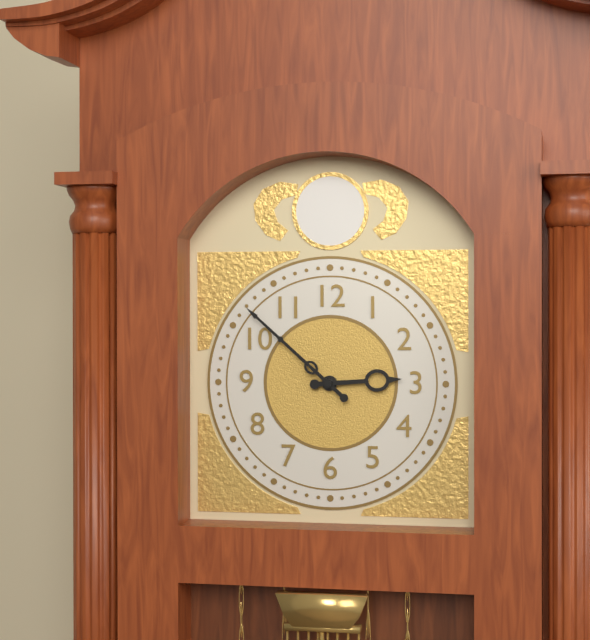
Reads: 2.52
